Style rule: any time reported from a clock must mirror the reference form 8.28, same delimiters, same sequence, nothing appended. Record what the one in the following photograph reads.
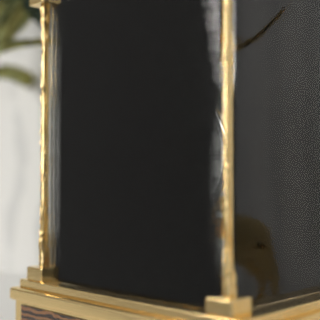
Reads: 8.23
